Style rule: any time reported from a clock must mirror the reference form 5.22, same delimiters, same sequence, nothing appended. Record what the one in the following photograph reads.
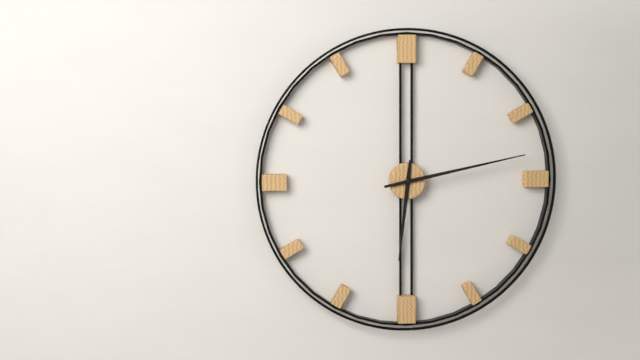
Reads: 6.13
